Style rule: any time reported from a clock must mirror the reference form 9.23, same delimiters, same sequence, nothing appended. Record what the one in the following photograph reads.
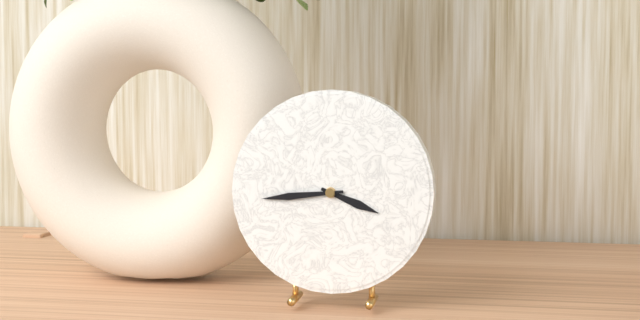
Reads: 3.44
